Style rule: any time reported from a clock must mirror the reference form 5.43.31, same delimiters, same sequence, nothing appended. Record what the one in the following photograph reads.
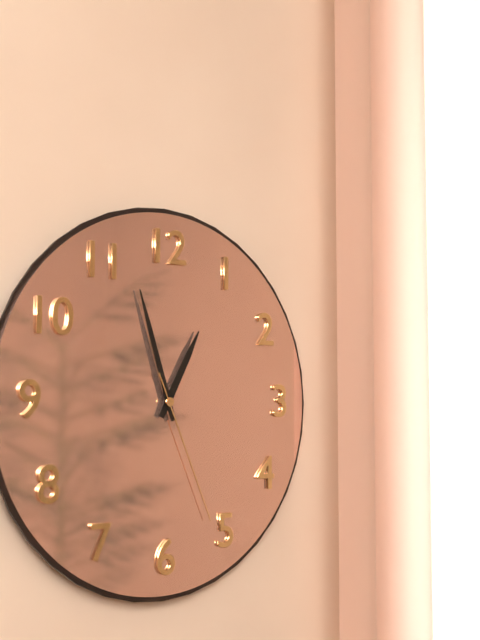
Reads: 12.57.26
